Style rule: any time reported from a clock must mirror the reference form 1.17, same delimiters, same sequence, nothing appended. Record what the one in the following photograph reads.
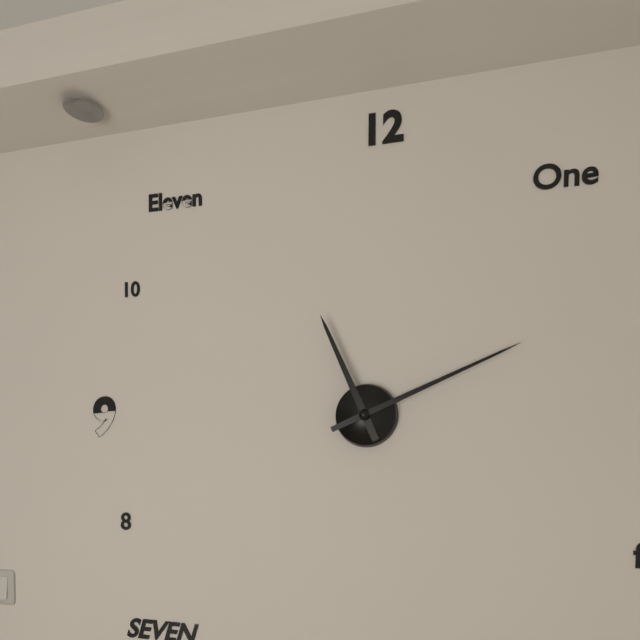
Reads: 11.11
